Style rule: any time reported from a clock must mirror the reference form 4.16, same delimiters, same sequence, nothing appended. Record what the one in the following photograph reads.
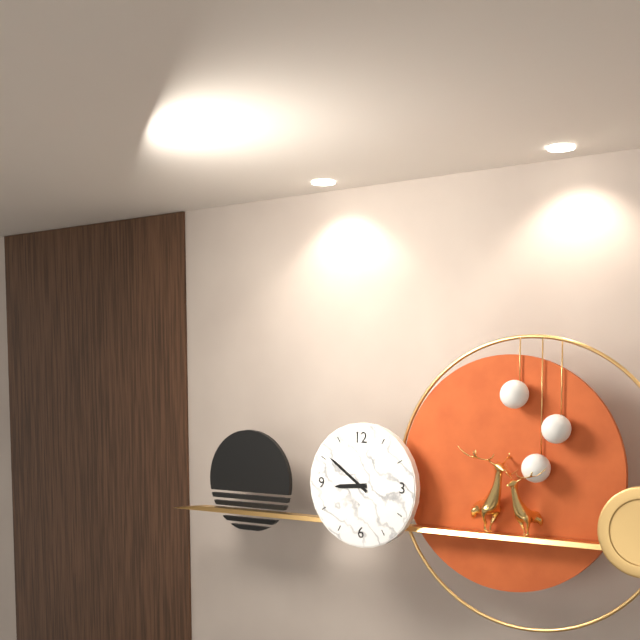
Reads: 8.51
